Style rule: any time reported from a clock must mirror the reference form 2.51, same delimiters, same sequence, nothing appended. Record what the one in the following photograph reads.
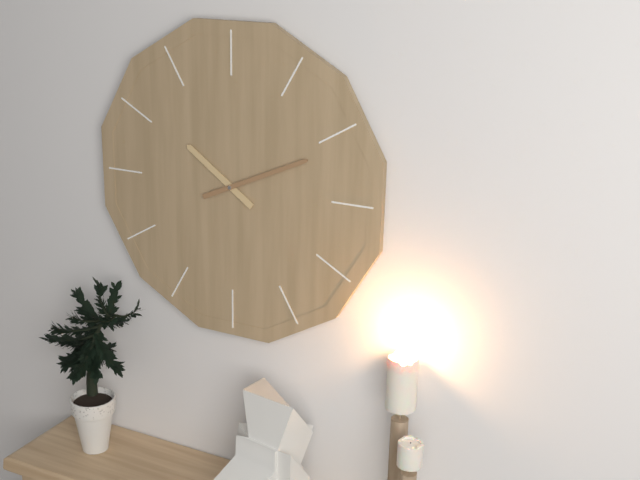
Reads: 10.11
